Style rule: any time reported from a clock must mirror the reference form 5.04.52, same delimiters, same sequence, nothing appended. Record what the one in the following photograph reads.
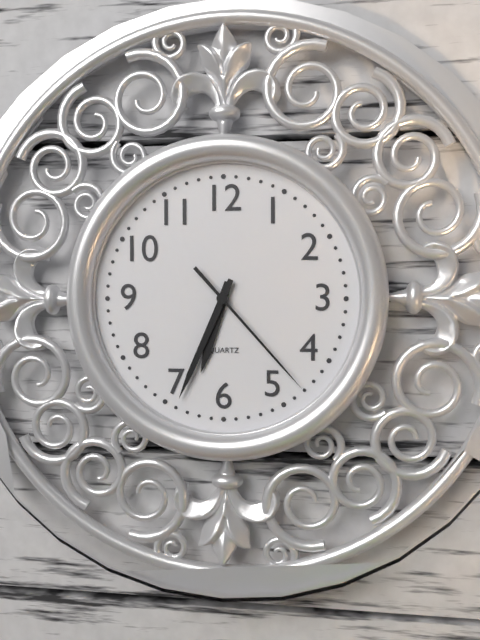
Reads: 6.34.23
